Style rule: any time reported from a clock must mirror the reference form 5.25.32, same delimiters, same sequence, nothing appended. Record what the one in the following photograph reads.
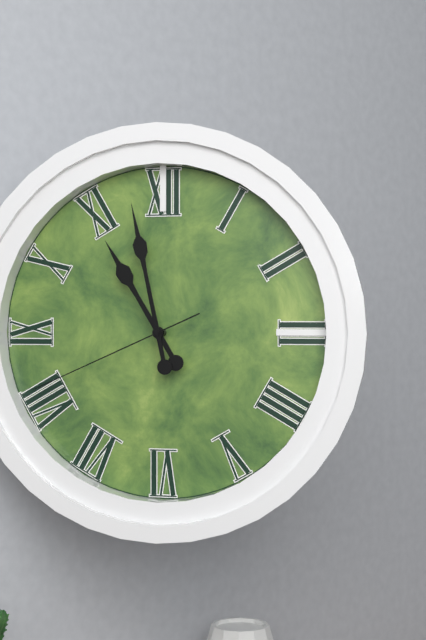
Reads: 10.58.41
